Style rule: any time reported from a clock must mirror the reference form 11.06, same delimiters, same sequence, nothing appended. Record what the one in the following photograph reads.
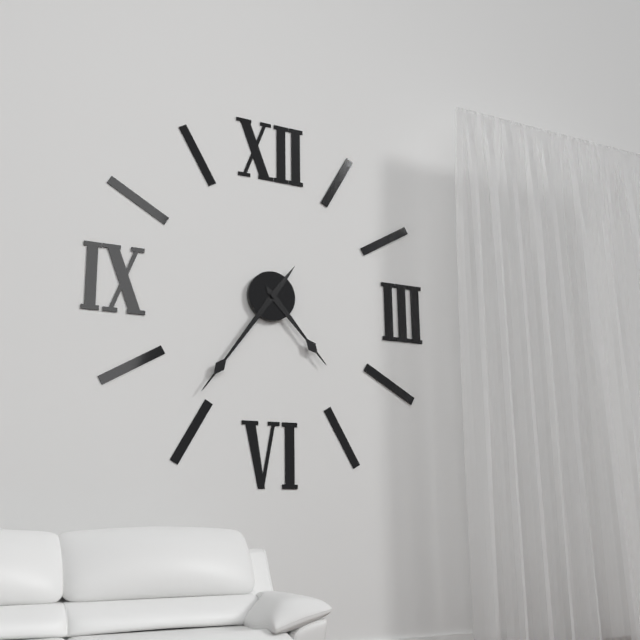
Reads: 4.36
